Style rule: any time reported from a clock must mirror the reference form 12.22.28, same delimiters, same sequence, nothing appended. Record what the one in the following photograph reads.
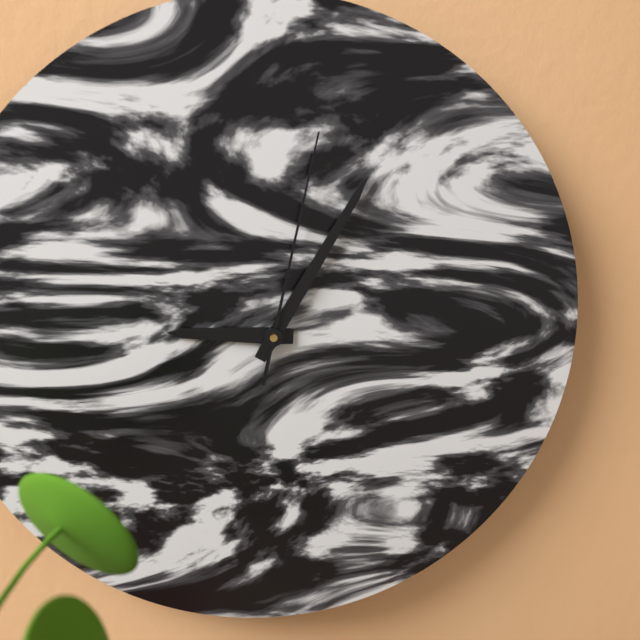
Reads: 9.05.02
